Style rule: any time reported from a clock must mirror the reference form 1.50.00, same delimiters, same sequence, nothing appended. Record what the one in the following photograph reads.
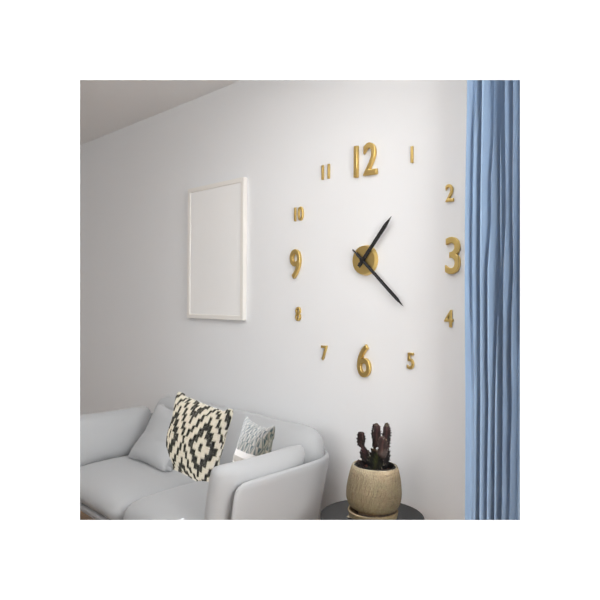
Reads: 1.22.22
